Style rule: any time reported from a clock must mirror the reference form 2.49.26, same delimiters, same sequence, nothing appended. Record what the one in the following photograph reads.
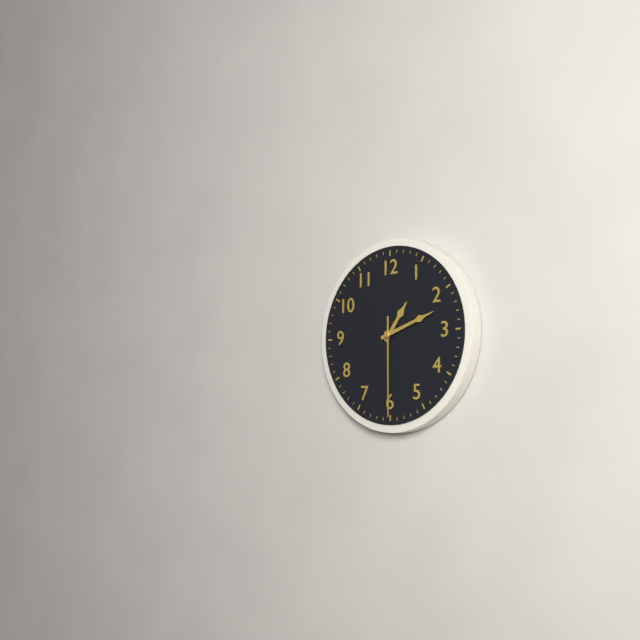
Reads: 1.12.30
